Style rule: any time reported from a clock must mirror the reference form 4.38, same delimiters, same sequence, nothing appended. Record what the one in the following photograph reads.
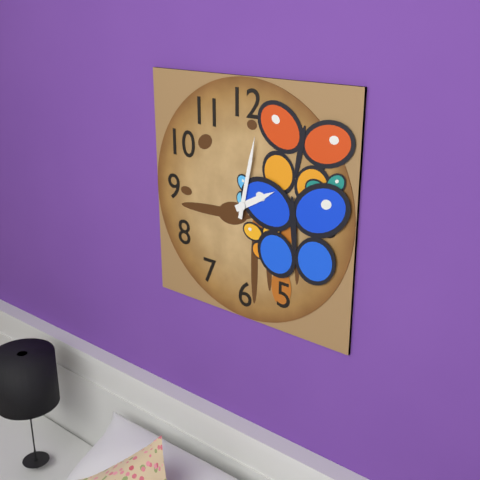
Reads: 2.02
